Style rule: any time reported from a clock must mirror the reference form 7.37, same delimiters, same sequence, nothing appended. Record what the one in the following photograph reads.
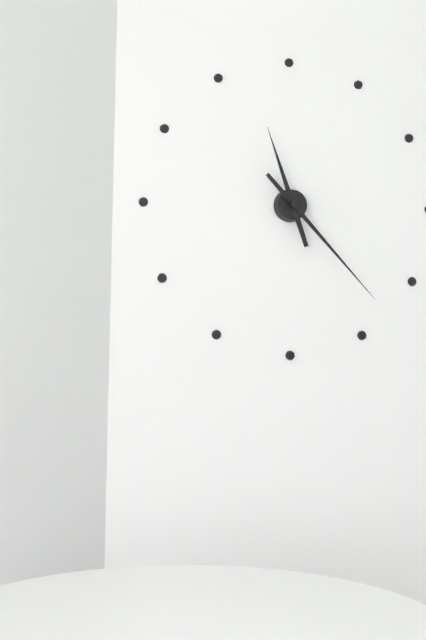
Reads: 11.23
